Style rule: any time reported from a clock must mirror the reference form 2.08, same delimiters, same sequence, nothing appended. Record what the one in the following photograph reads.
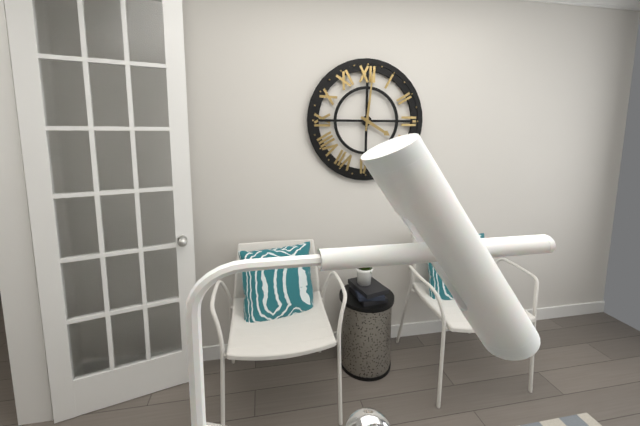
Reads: 4.01
